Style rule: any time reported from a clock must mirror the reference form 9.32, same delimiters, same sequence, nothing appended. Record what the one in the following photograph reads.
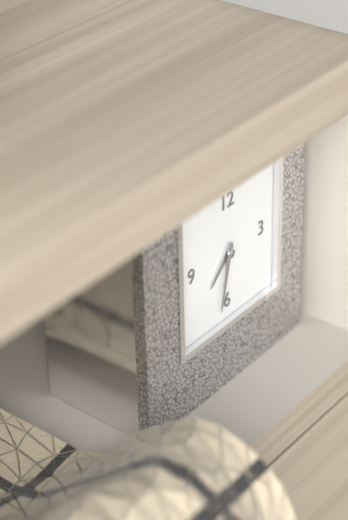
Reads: 7.32
